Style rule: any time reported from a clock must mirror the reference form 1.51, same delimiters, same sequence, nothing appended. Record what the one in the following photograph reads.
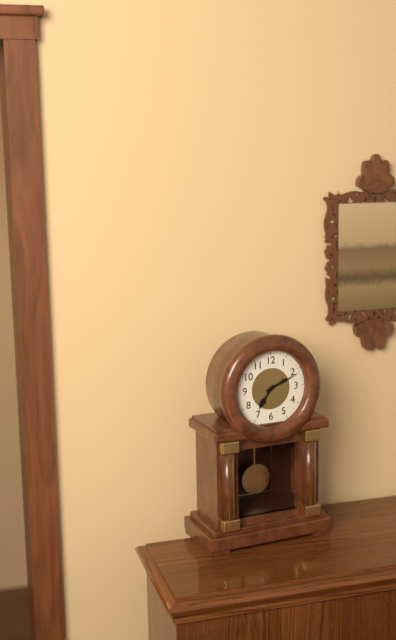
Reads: 7.11
